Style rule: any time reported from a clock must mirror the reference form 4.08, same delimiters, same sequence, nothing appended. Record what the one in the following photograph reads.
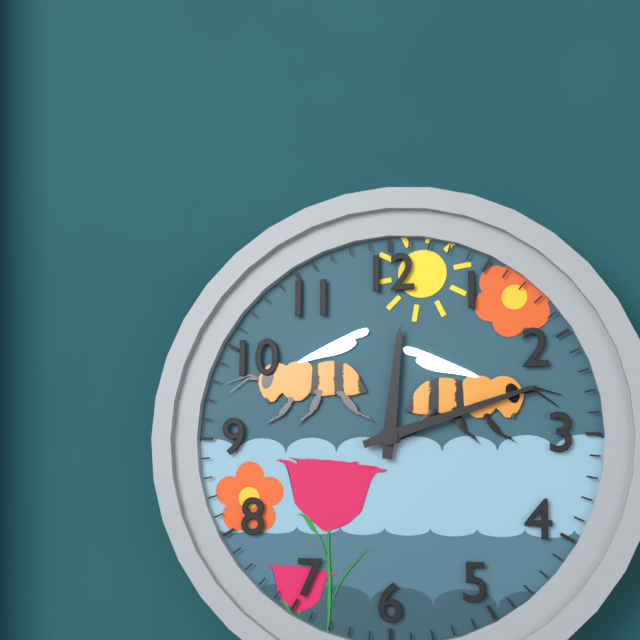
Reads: 12.12
